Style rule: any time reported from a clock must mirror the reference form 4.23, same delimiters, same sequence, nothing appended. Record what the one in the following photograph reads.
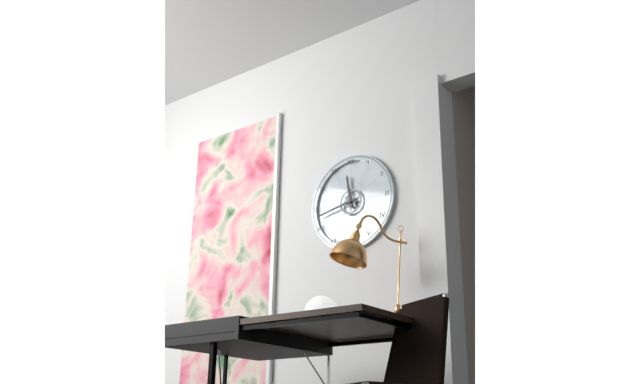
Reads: 11.43
